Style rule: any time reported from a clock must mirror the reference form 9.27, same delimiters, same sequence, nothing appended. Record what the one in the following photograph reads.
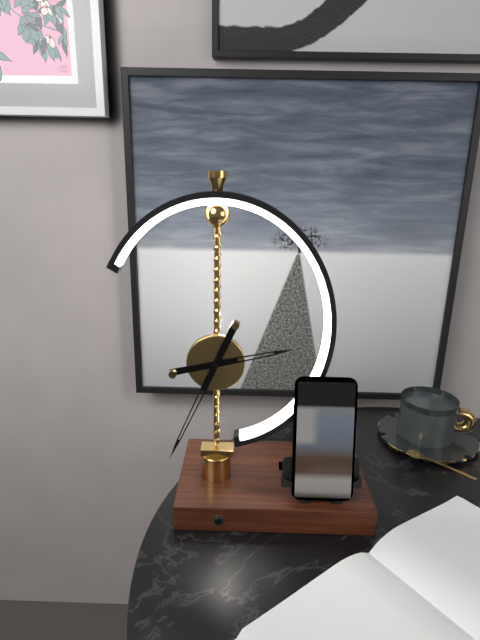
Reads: 2.34
